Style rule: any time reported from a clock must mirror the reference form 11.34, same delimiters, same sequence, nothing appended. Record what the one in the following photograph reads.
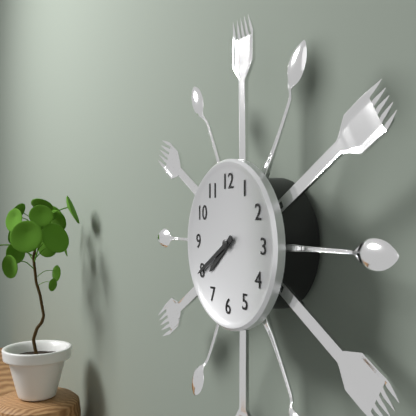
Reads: 7.40
